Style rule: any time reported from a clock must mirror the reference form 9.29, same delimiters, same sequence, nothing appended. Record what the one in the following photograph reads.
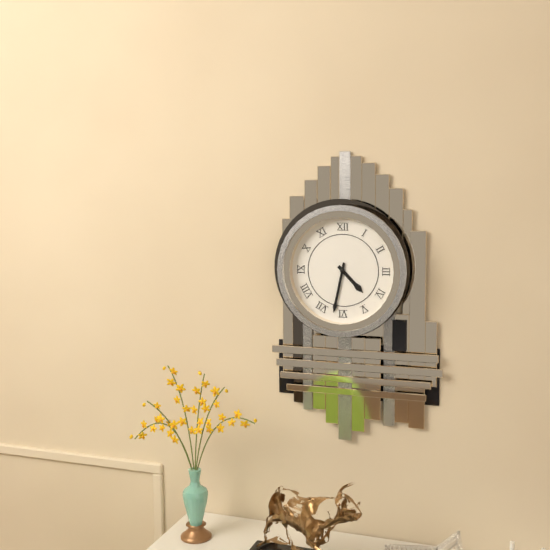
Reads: 4.32
